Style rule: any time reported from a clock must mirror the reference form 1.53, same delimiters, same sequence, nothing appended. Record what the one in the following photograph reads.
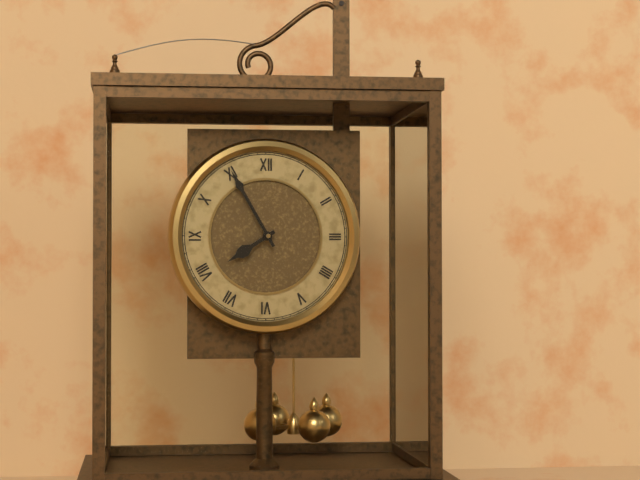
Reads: 7.55
